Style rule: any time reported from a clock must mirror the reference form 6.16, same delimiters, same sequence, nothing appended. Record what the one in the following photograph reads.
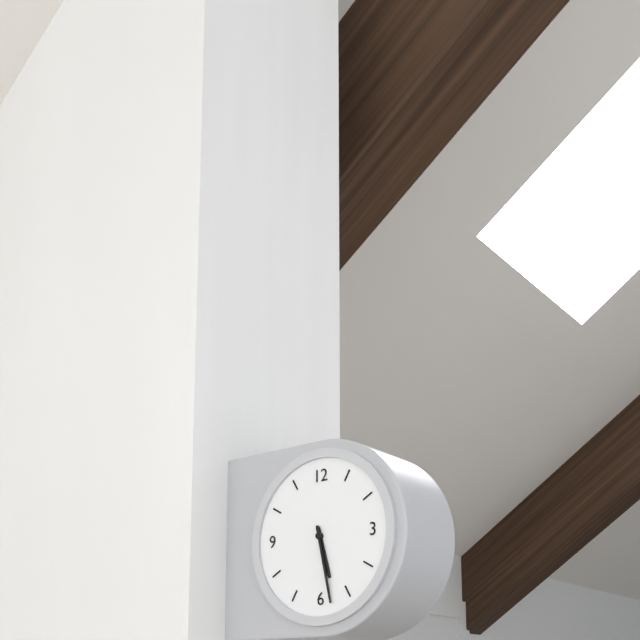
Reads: 5.28
